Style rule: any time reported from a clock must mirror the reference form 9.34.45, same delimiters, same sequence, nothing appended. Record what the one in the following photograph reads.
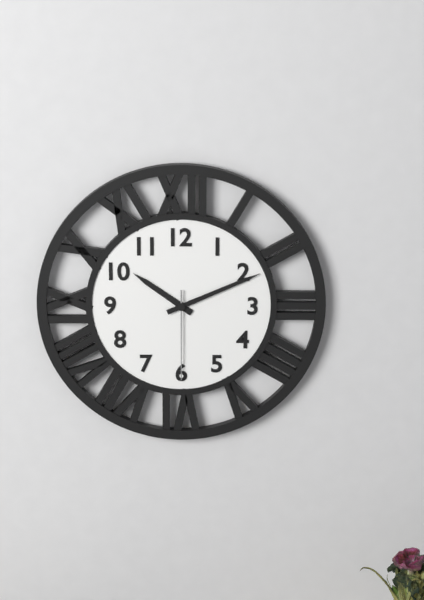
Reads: 10.11.30
